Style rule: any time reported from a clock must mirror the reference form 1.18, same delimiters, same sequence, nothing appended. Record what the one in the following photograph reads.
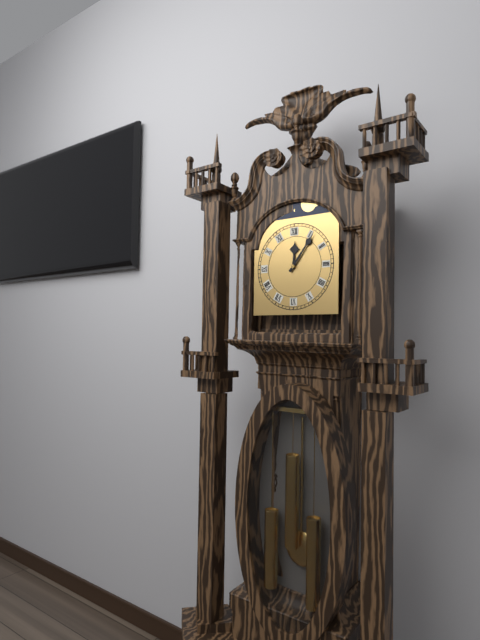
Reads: 12.06
